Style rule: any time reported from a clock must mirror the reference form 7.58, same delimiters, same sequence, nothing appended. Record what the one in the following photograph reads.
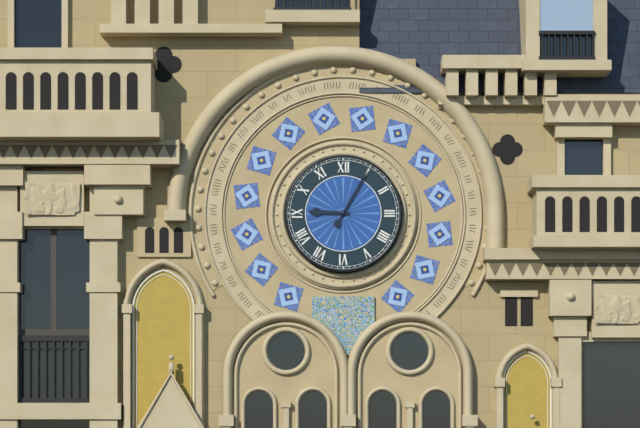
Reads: 9.05
